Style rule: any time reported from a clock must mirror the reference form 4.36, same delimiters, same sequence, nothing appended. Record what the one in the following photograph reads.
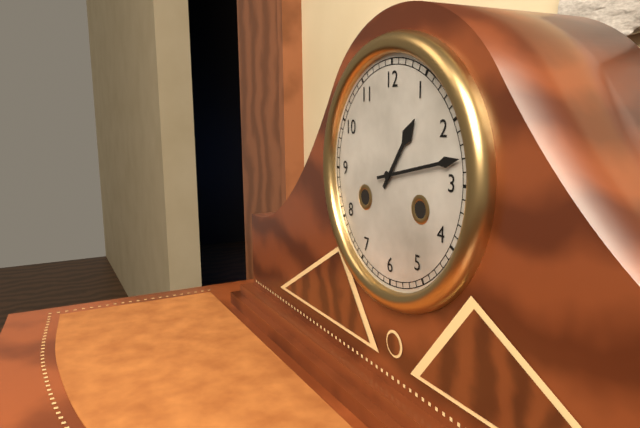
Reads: 1.13
